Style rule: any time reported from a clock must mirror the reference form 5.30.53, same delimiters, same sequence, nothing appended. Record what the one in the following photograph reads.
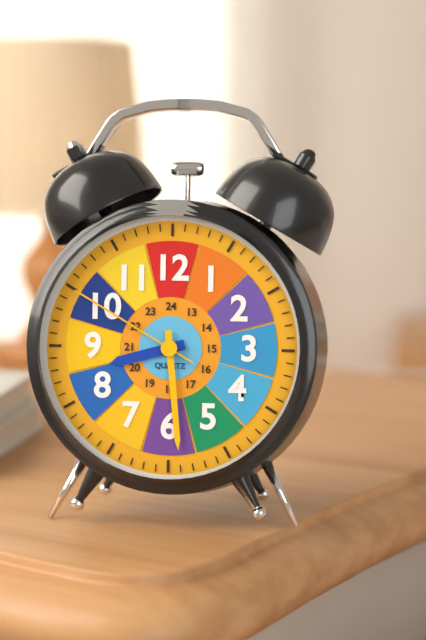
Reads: 8.29.50
